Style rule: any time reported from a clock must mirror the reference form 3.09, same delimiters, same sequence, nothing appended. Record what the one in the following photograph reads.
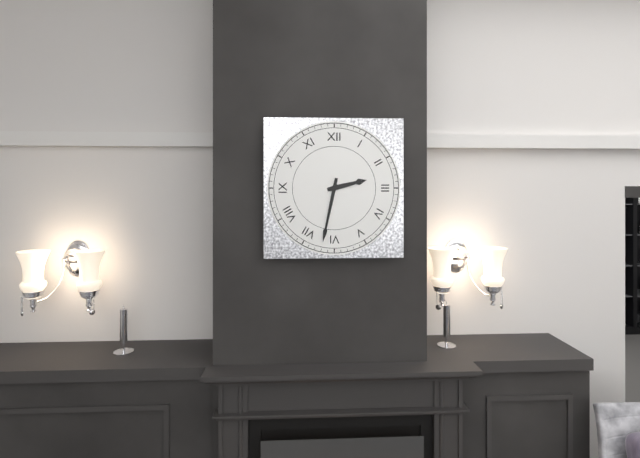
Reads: 2.32
